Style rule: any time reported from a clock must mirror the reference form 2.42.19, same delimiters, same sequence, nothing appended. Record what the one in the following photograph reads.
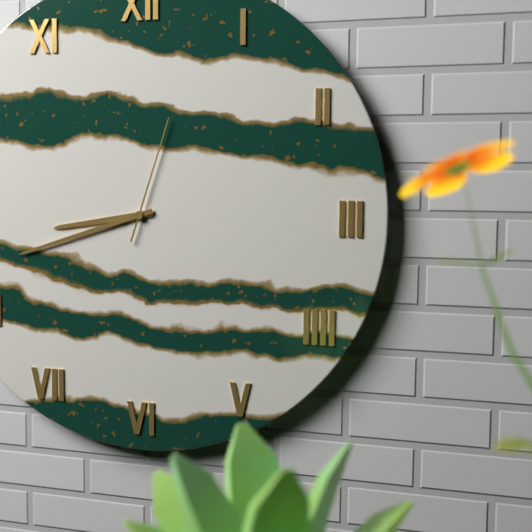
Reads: 8.42.03
